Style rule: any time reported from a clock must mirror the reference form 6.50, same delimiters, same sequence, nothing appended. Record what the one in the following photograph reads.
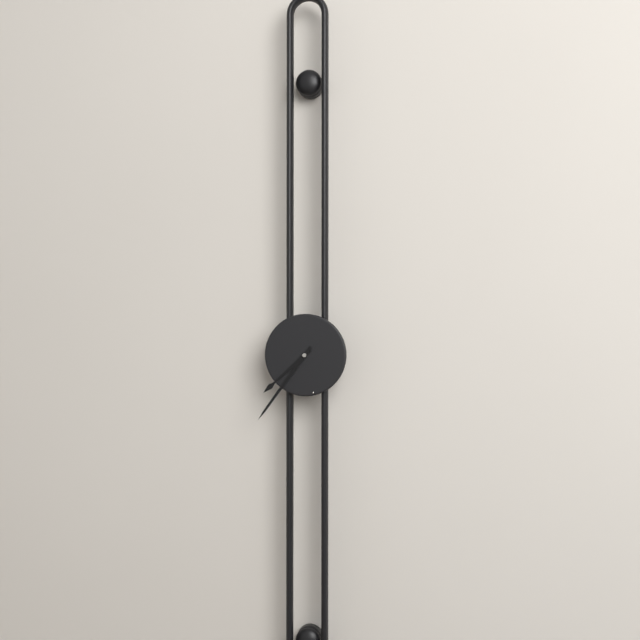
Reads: 7.36
